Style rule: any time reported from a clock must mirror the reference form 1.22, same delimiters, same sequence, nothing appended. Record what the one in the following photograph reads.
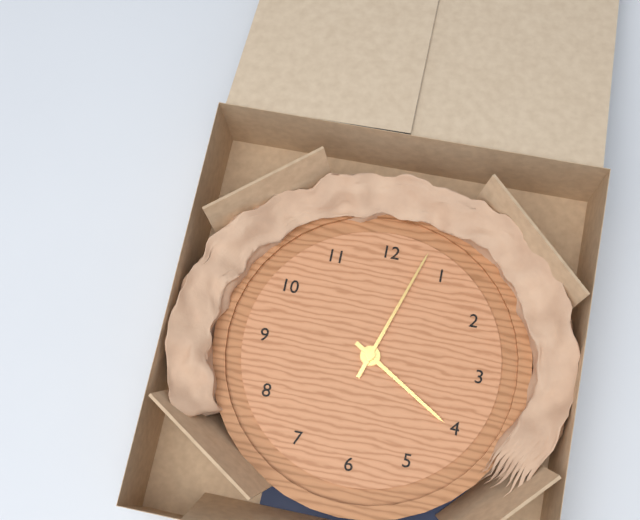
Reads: 4.03
